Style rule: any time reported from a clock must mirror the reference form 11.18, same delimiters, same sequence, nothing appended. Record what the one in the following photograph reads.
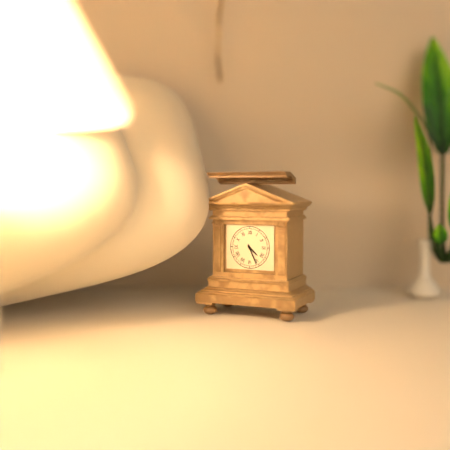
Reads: 4.26
